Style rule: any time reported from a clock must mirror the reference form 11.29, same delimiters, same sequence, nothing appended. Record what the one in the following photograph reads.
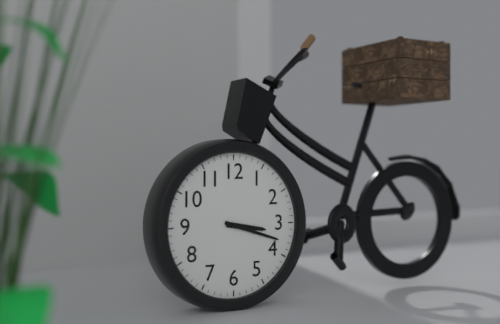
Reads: 3.18
